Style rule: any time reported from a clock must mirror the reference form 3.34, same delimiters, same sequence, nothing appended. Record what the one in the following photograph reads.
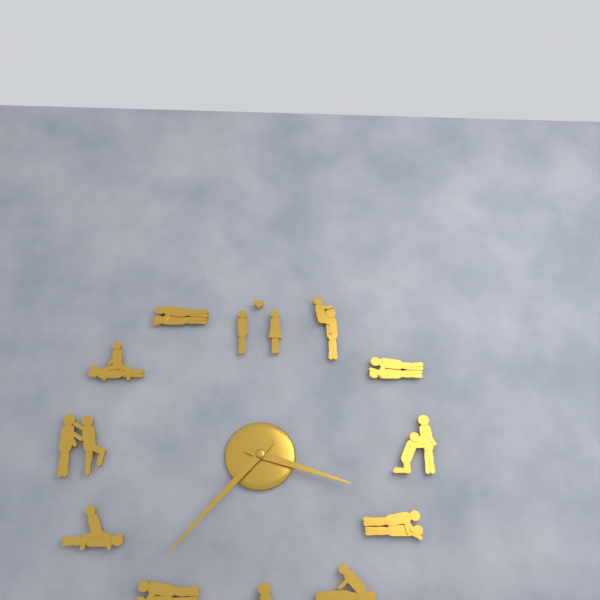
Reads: 3.37
